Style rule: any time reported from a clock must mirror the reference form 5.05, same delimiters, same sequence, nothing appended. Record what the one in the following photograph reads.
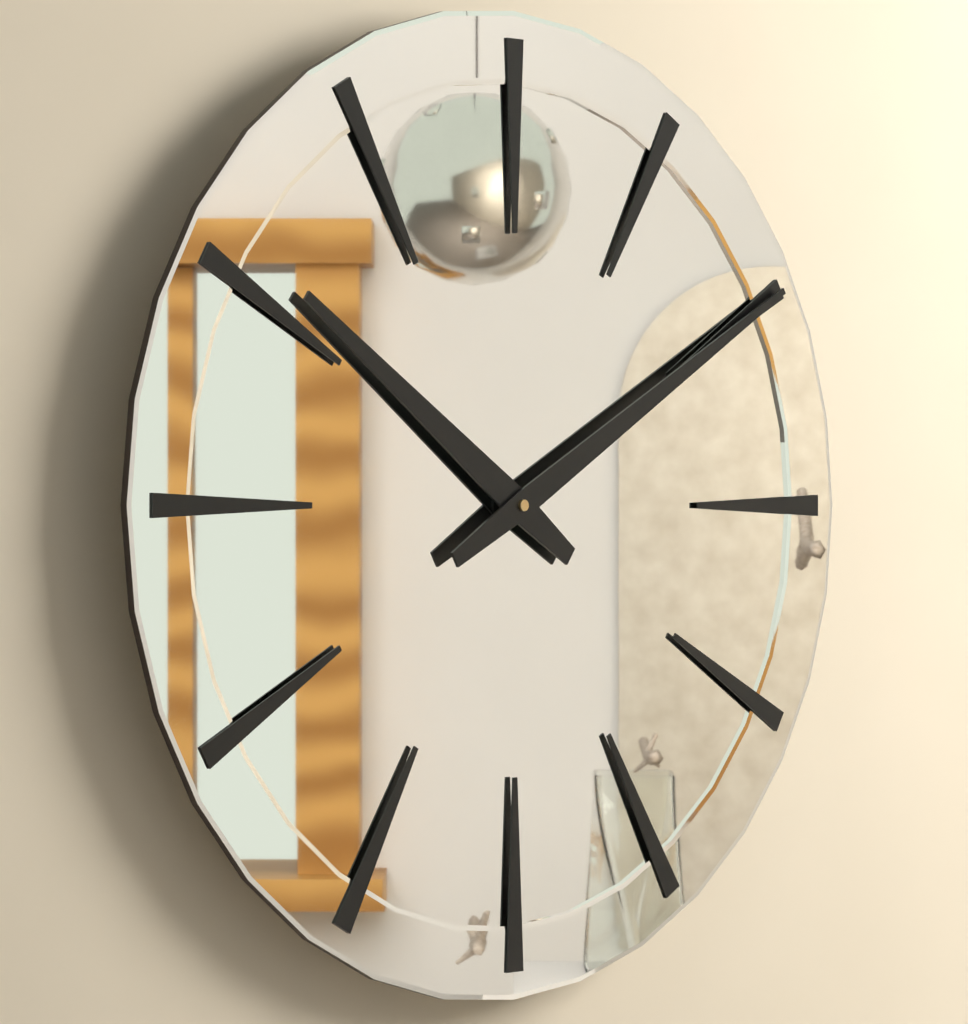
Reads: 10.10
